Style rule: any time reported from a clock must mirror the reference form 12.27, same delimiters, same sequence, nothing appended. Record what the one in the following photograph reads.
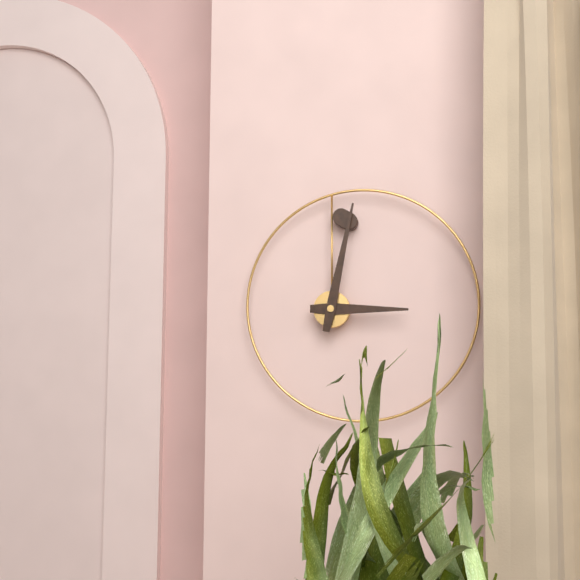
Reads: 3.02
